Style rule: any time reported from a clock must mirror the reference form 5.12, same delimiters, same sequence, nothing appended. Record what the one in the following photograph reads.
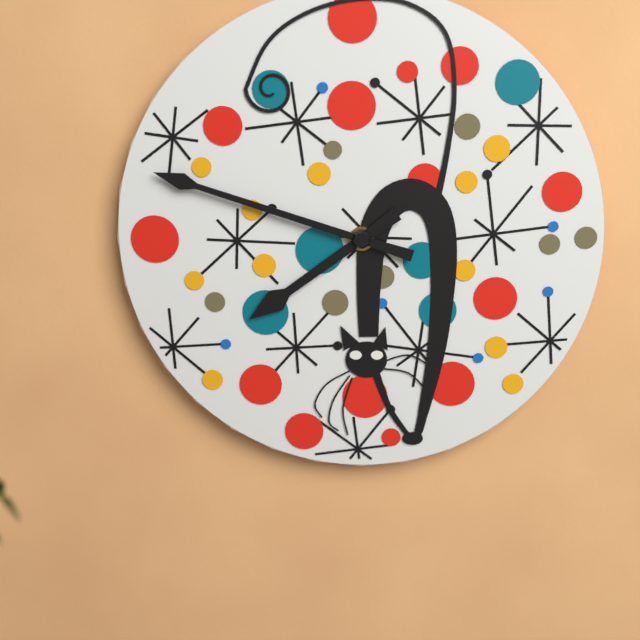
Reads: 7.48
